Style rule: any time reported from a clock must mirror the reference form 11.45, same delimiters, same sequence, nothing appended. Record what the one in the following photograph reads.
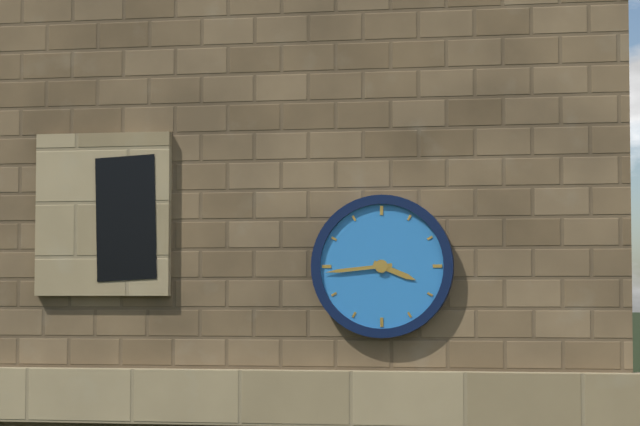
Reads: 3.44
